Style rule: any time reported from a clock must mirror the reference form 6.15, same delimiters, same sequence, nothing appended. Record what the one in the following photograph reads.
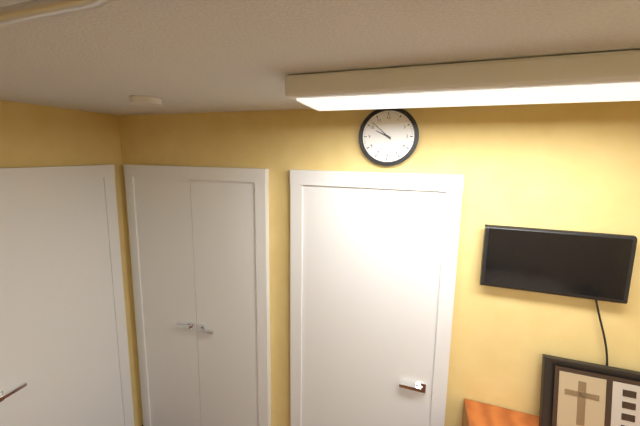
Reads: 9.52
